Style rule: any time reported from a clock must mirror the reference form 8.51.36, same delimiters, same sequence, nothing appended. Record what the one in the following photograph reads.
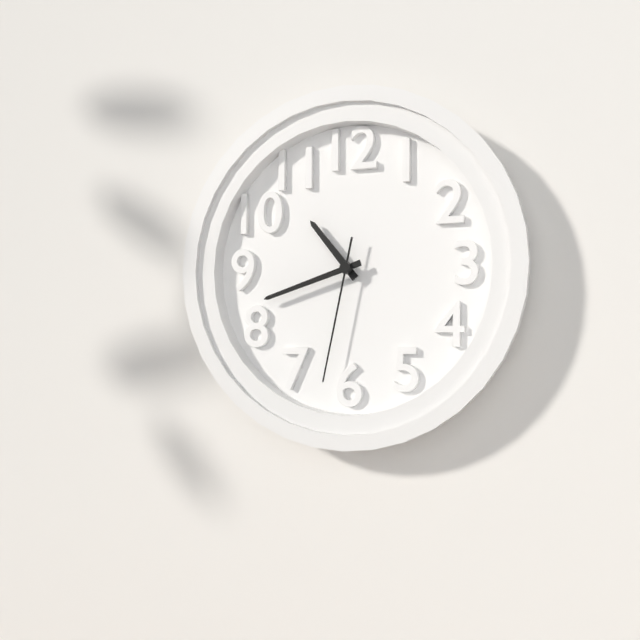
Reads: 10.42.32
